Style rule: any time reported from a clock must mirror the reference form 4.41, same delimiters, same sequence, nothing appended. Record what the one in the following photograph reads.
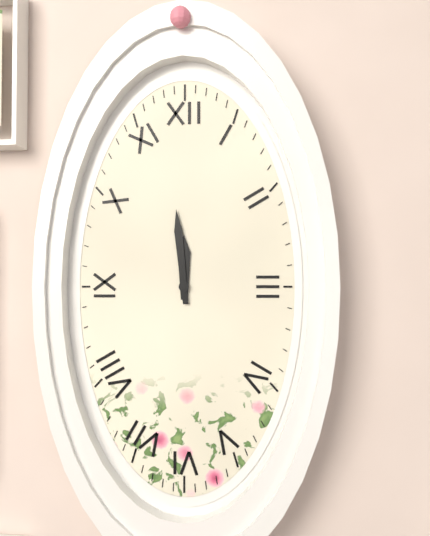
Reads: 11.59
